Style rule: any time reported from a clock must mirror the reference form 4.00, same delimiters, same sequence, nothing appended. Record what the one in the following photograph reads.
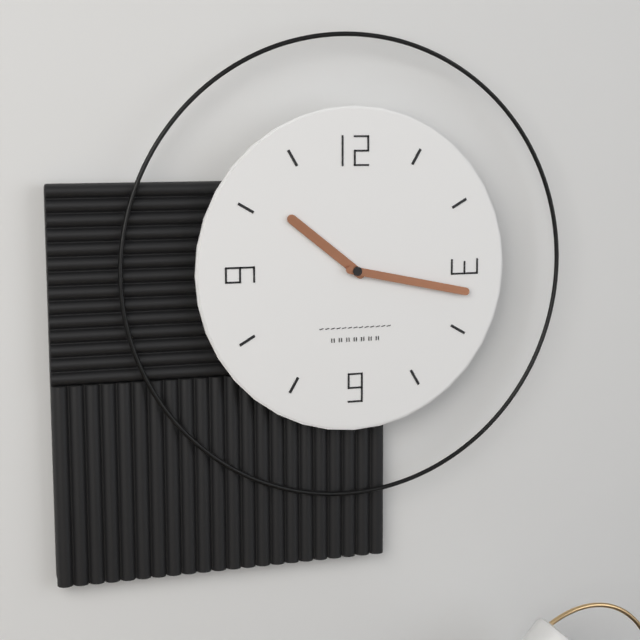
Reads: 10.17
